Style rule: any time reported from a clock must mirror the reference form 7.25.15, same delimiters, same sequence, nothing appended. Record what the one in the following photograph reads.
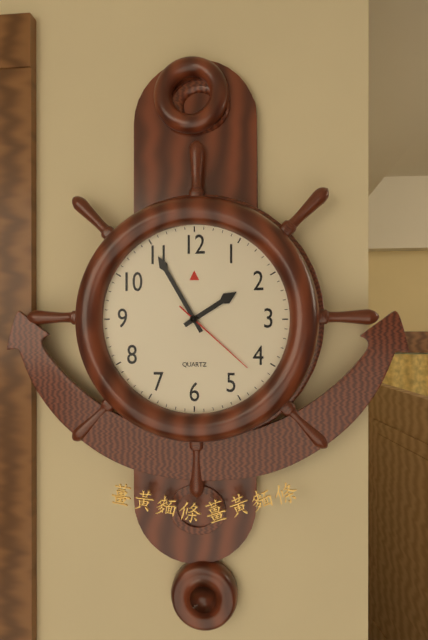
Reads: 1.55.22
